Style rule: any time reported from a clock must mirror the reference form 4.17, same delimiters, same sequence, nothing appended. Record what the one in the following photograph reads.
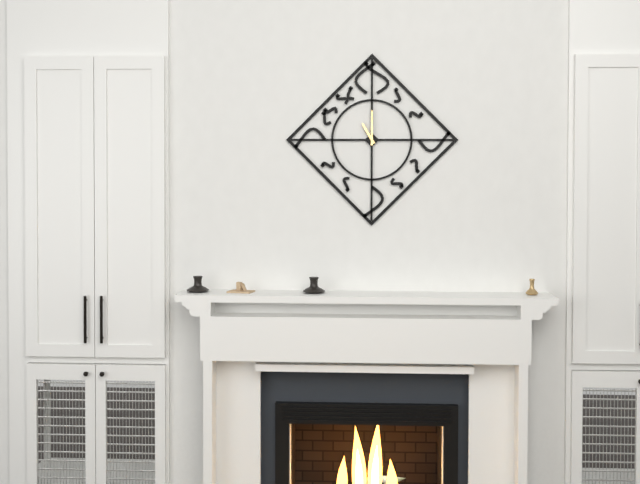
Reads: 11.00
